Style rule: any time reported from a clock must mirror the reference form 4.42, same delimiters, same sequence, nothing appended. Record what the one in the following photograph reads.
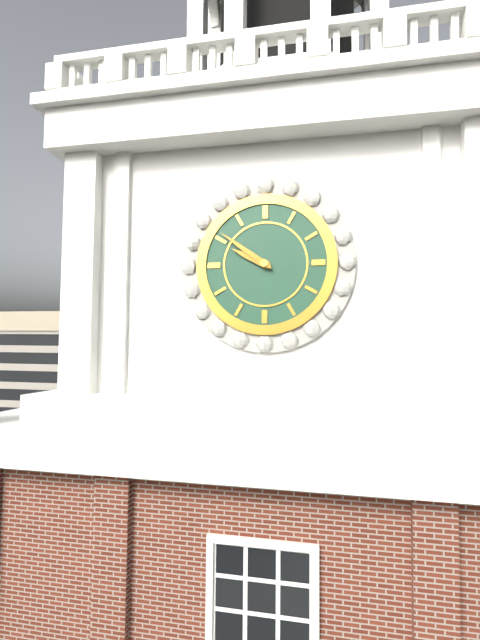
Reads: 9.51
